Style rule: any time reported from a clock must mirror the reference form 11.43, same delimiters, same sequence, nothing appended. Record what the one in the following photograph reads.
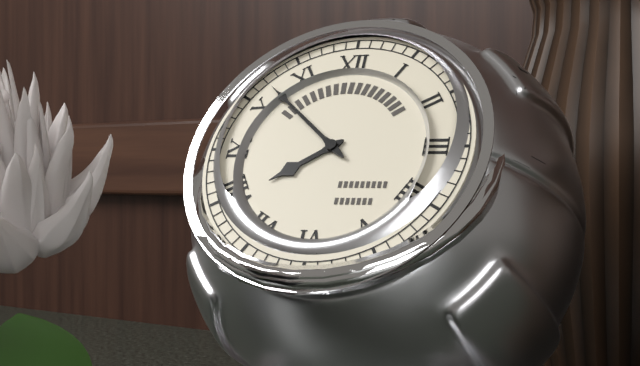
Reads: 7.52
